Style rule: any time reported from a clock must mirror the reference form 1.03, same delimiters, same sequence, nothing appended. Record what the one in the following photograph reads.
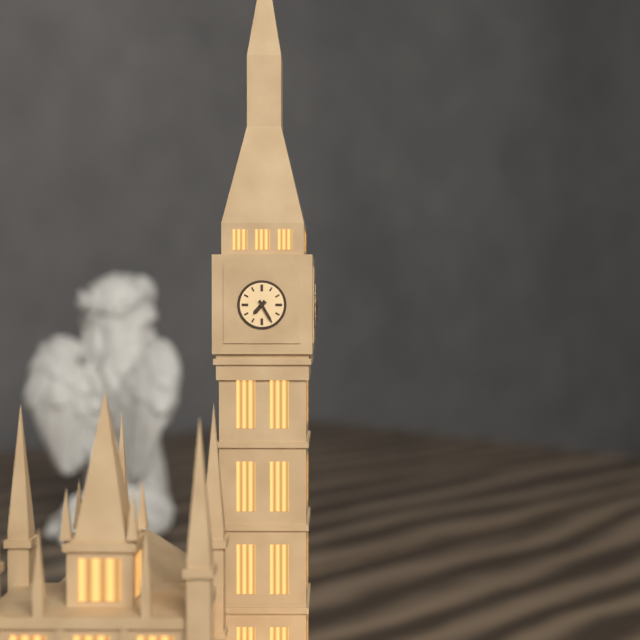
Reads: 7.25
